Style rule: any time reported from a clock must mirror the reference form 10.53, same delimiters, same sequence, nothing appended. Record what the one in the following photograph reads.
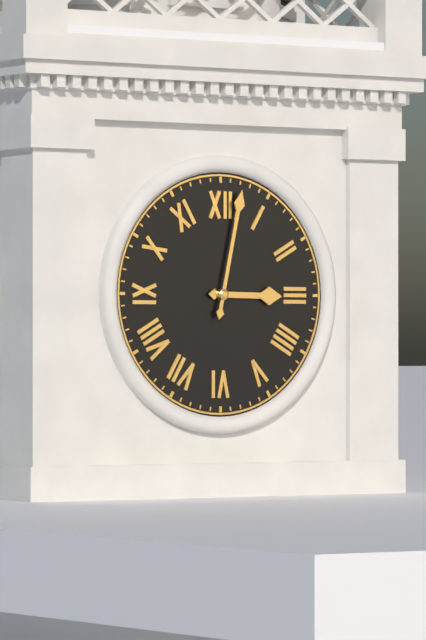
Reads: 3.02
